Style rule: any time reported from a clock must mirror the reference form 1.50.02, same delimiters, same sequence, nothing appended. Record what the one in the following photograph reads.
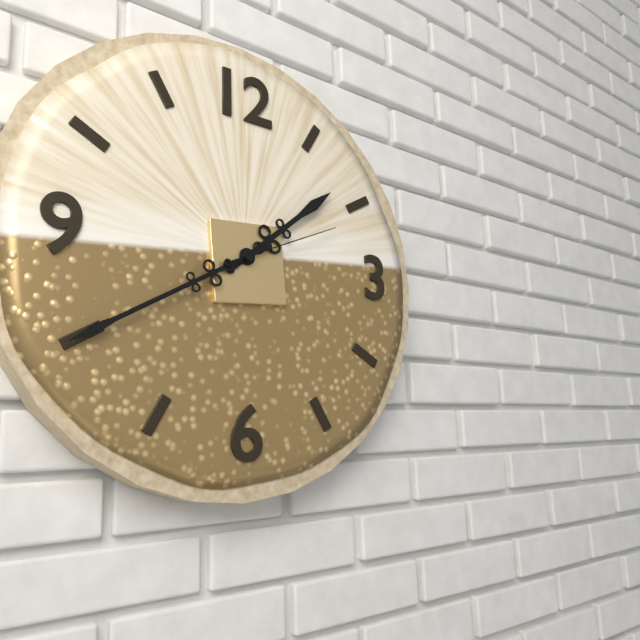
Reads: 1.40.11
